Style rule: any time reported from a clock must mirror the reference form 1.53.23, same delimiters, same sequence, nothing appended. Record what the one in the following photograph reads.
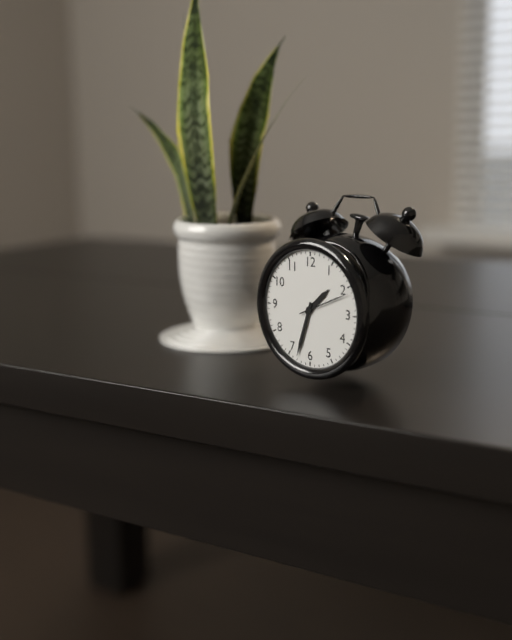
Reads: 1.33.11
